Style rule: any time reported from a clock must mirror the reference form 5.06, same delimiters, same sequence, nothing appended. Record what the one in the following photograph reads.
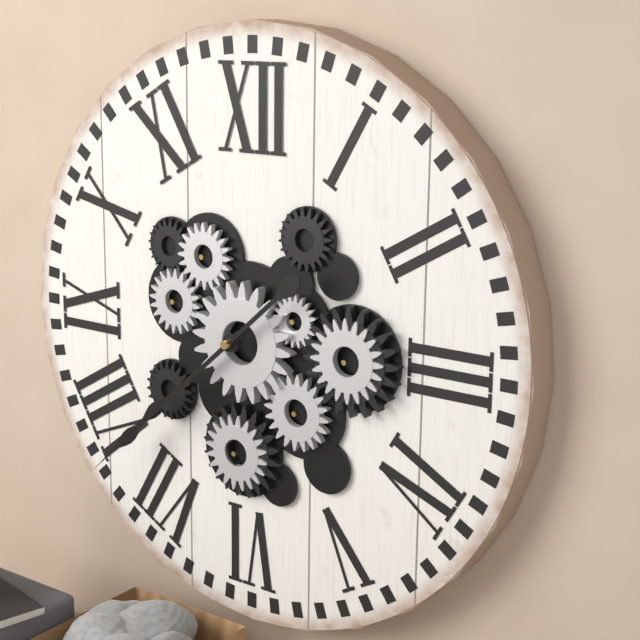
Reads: 7.38
